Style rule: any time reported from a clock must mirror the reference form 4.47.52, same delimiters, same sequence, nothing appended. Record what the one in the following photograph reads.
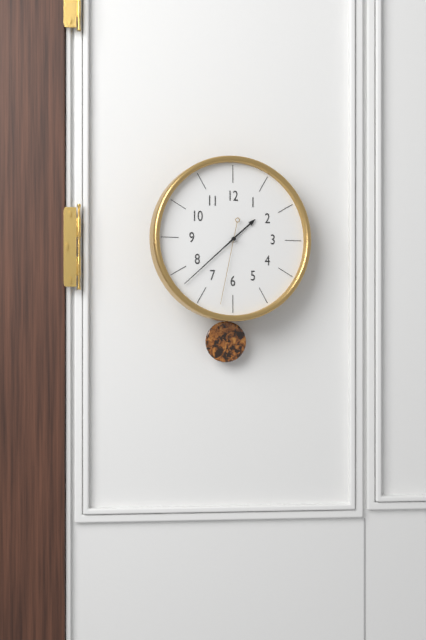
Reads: 1.38.32
